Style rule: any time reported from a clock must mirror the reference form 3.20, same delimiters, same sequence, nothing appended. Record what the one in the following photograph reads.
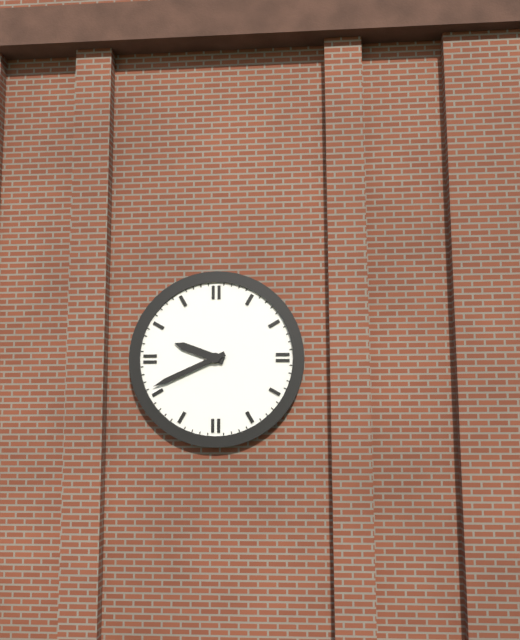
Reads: 9.41
